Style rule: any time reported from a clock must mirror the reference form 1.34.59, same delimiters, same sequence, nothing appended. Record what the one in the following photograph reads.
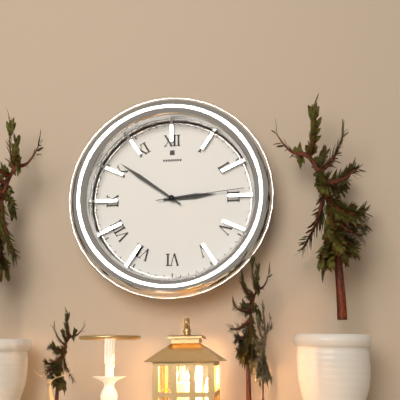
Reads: 2.51.14
